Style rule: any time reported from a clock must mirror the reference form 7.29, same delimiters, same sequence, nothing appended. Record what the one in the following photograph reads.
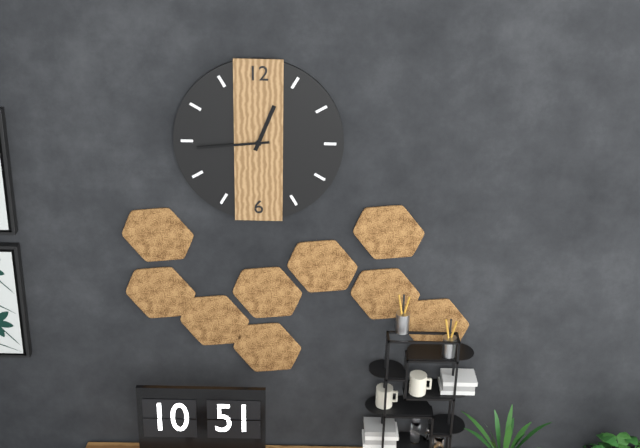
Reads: 12.44
